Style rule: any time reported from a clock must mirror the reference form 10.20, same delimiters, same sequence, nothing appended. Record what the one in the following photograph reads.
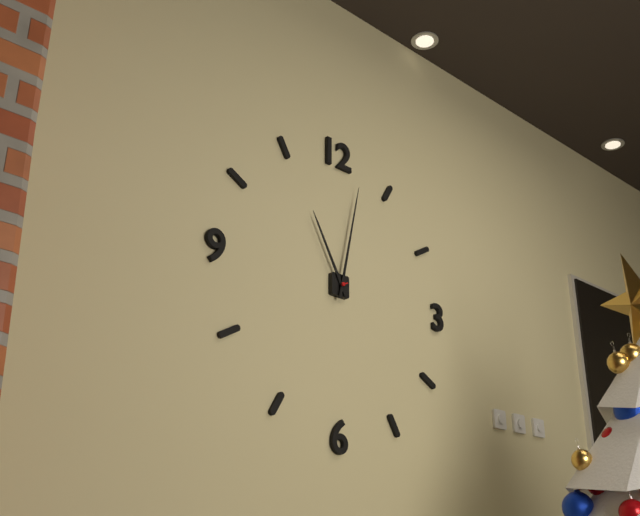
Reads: 11.02
